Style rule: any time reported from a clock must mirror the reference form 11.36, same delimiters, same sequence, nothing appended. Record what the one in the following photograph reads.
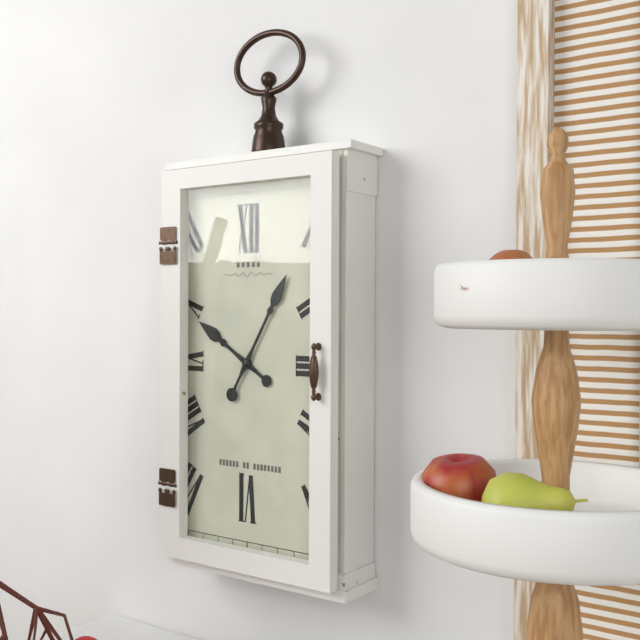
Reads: 10.05
